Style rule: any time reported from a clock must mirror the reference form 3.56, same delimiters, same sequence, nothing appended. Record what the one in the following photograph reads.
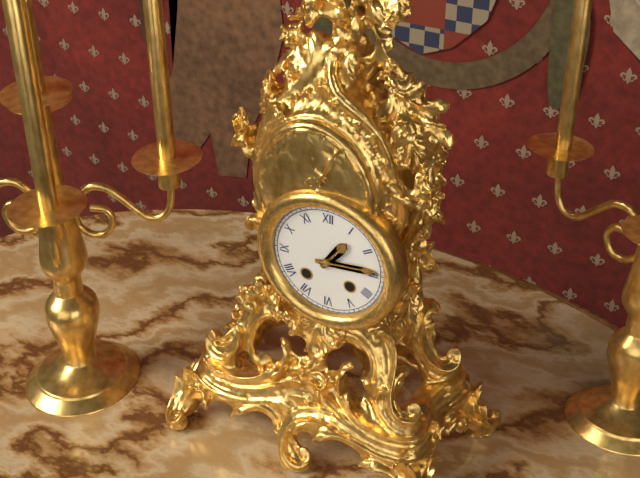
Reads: 1.14
